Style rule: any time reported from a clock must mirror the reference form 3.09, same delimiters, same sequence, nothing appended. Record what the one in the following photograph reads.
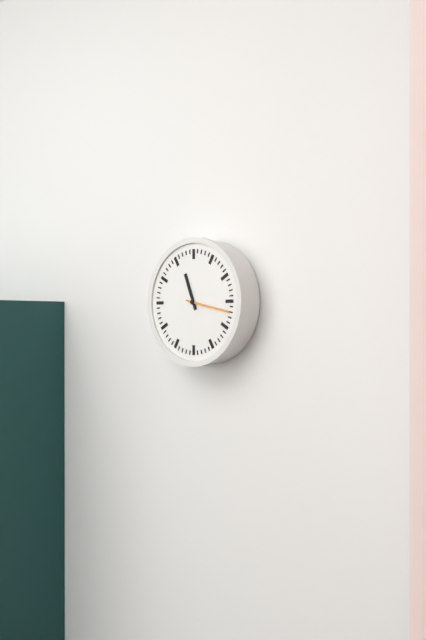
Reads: 11.17
